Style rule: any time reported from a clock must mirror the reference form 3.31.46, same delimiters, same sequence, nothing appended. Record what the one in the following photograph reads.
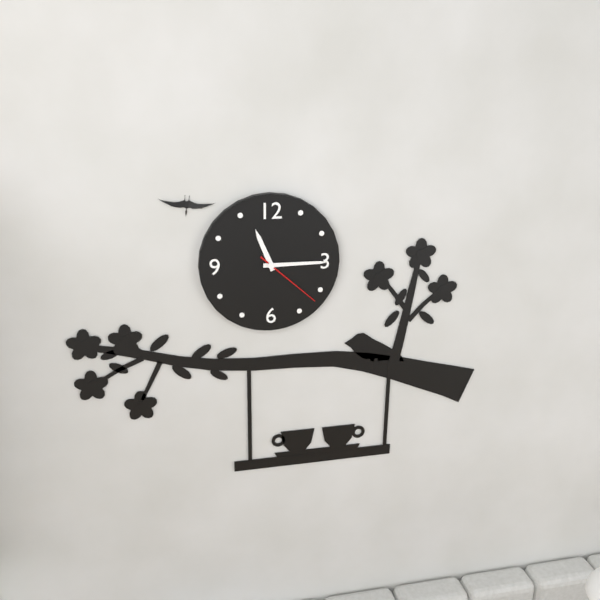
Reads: 11.15.22
